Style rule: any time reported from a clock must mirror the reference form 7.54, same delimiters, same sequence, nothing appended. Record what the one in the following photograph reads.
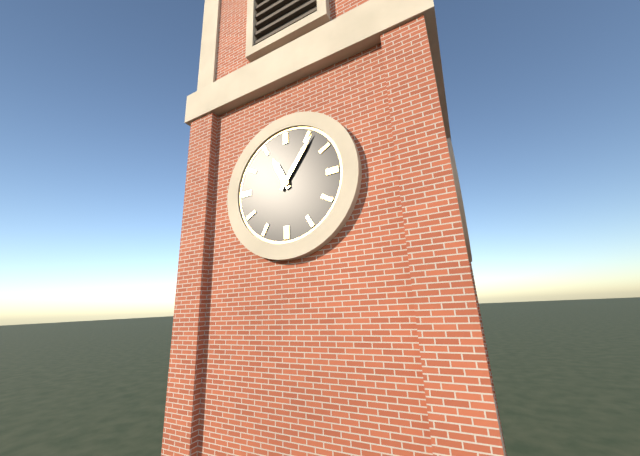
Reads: 11.06
